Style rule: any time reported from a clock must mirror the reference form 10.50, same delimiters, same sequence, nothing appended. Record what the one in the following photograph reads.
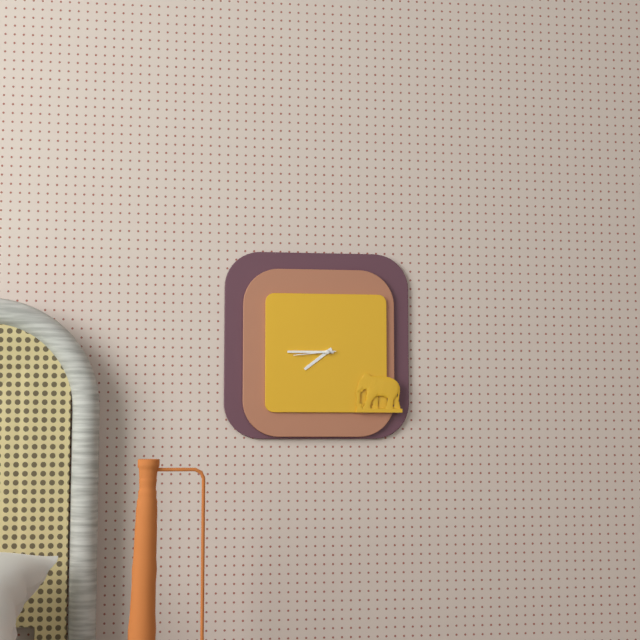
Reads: 7.45
